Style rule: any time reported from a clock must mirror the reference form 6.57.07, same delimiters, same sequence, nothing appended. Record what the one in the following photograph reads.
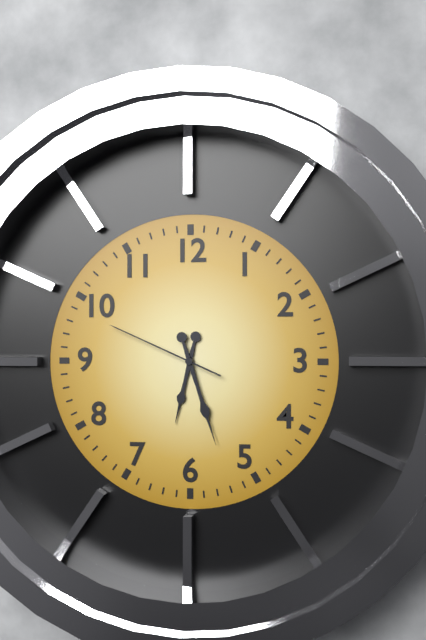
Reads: 6.27.49
